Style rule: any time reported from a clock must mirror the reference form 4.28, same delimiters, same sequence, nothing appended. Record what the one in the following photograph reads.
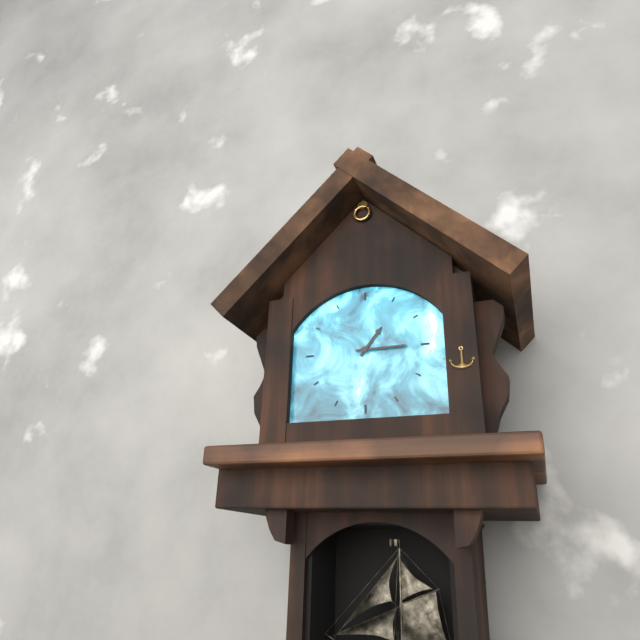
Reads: 1.15
